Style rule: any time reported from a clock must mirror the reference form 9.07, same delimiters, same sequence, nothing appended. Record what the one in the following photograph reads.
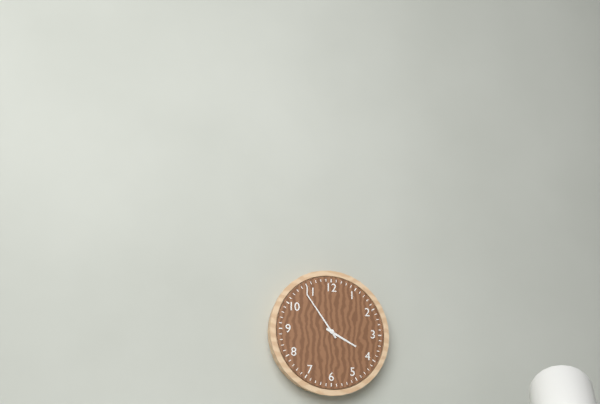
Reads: 3.54
